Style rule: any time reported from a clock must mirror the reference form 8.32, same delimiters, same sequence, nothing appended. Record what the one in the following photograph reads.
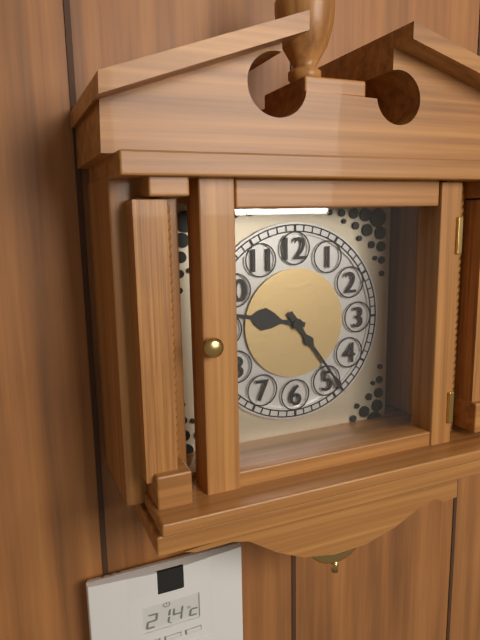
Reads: 9.24
